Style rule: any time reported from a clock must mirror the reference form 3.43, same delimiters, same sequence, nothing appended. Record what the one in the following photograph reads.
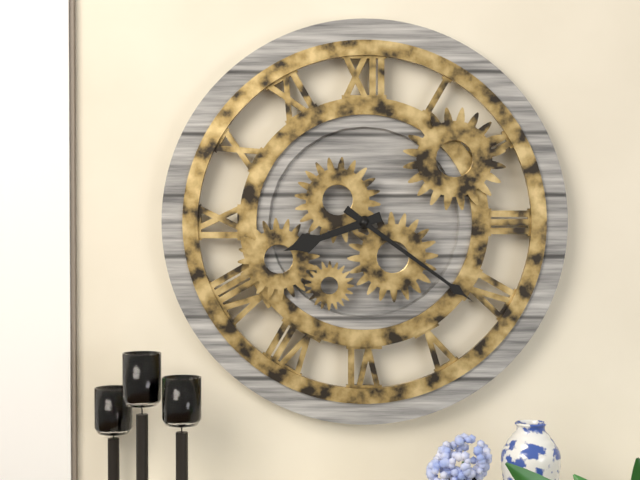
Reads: 8.21
